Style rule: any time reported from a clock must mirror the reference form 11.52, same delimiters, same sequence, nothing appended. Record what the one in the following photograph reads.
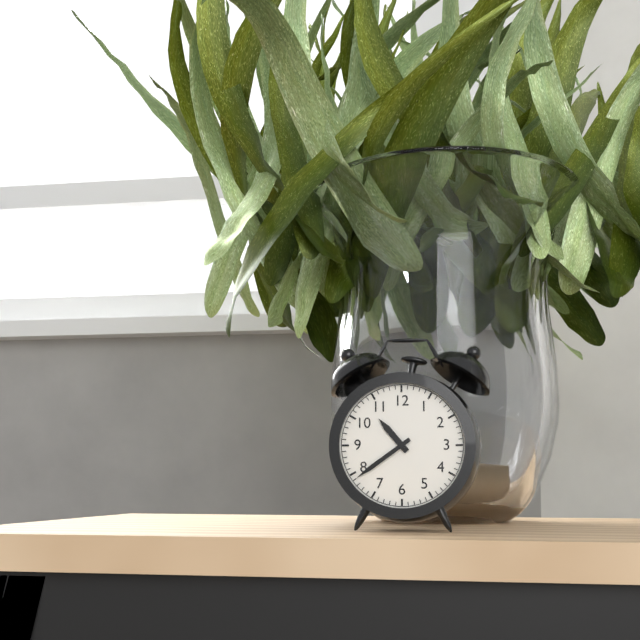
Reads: 10.39
